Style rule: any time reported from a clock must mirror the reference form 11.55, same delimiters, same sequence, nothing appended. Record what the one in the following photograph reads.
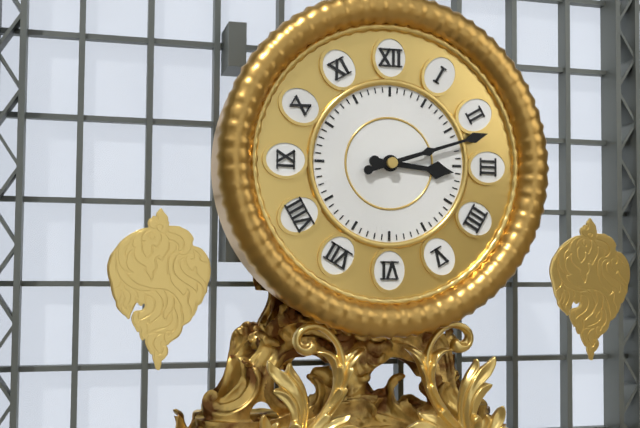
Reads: 3.12
